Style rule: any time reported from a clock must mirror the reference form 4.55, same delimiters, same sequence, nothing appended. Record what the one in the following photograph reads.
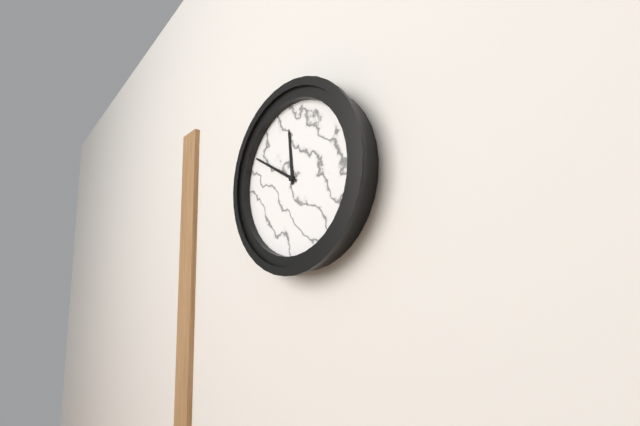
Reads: 11.50
